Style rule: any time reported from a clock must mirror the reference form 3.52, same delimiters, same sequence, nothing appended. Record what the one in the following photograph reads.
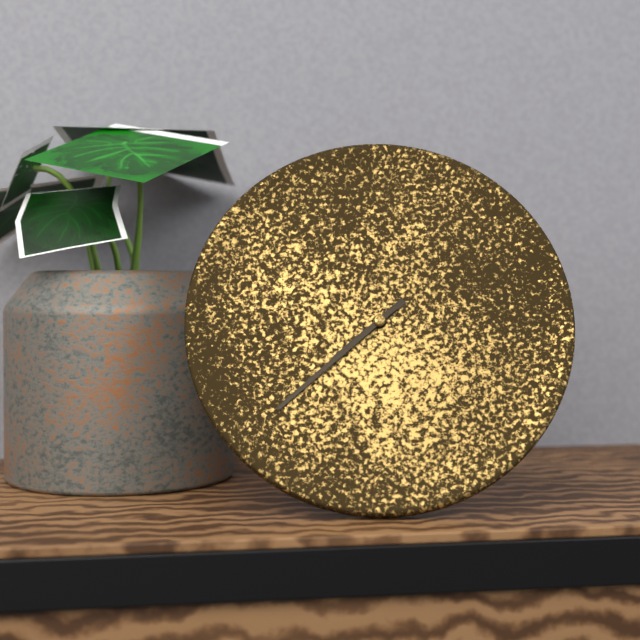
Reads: 7.38
